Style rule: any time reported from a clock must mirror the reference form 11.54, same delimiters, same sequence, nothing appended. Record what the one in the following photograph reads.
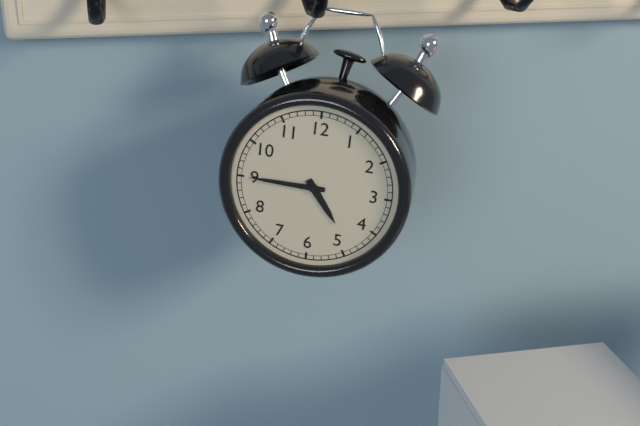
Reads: 4.45
